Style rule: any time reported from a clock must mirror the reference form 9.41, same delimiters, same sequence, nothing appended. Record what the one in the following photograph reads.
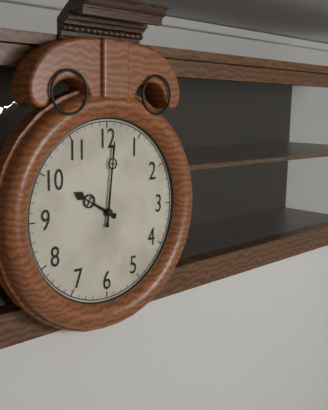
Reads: 10.01
